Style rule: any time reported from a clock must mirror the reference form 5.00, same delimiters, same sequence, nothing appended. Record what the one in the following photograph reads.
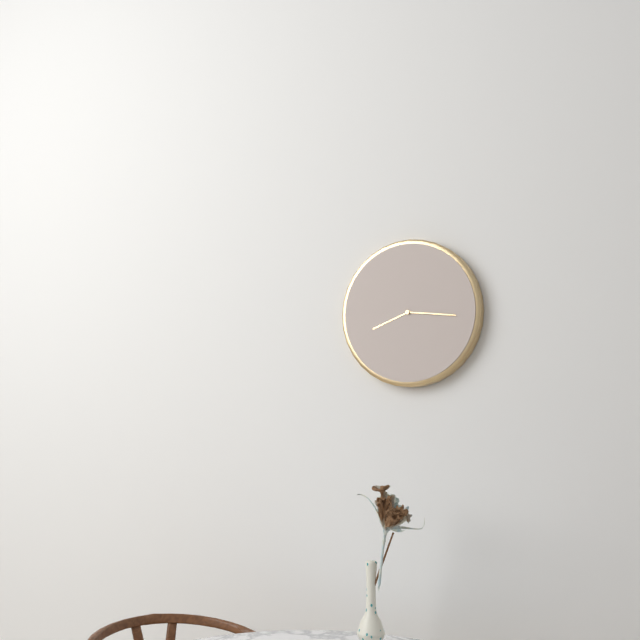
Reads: 8.16
